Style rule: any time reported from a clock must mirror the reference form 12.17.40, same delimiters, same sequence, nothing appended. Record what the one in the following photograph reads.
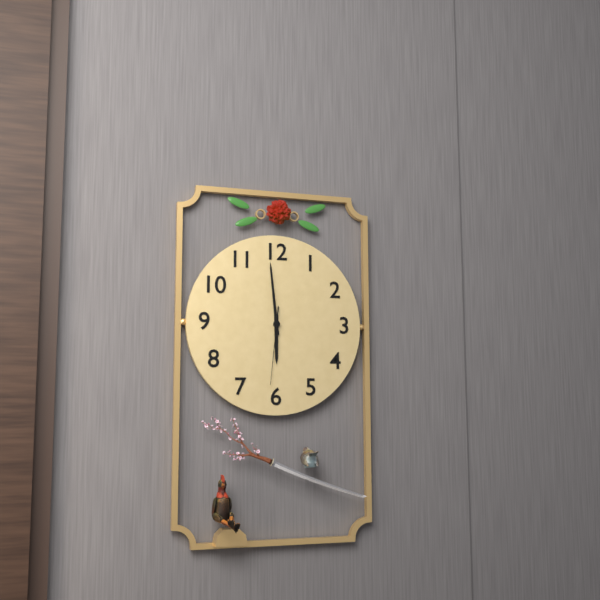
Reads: 5.59.31
